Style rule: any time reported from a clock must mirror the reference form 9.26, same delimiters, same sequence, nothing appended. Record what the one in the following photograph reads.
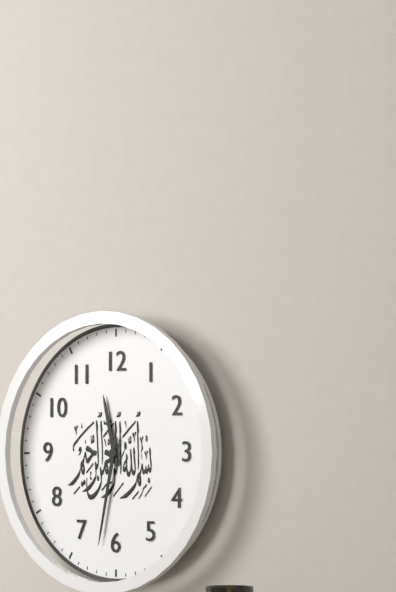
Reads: 11.32
